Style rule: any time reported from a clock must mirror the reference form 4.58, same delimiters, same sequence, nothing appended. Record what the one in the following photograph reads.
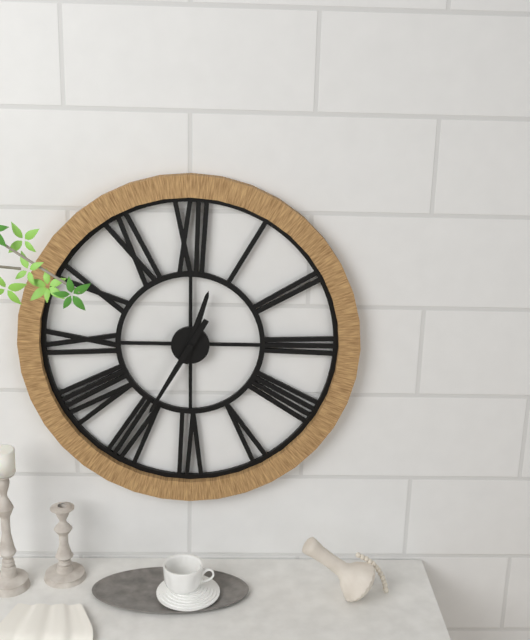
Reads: 12.35
